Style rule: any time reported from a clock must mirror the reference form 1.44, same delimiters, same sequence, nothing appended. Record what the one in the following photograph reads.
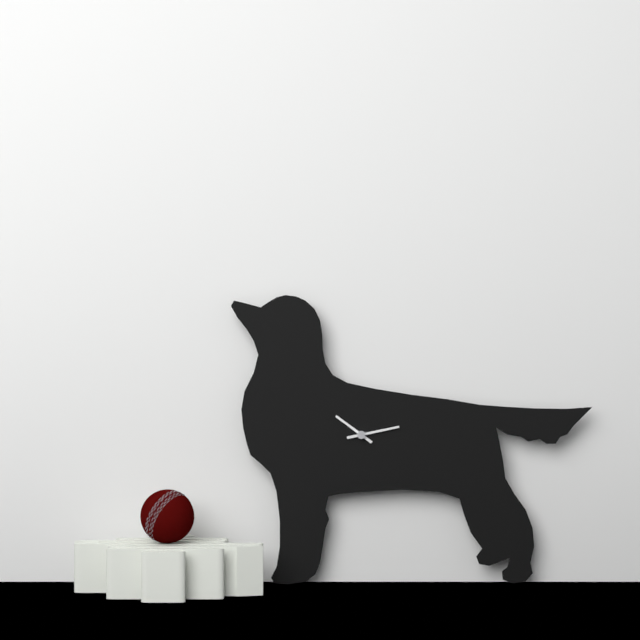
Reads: 10.13
